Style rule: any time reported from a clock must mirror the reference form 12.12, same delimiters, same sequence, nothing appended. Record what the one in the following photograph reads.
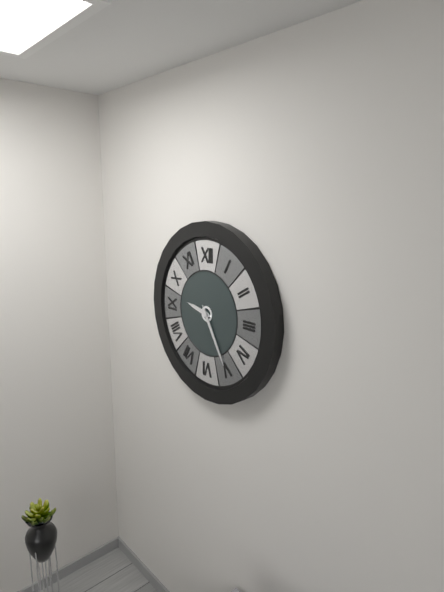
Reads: 9.25
